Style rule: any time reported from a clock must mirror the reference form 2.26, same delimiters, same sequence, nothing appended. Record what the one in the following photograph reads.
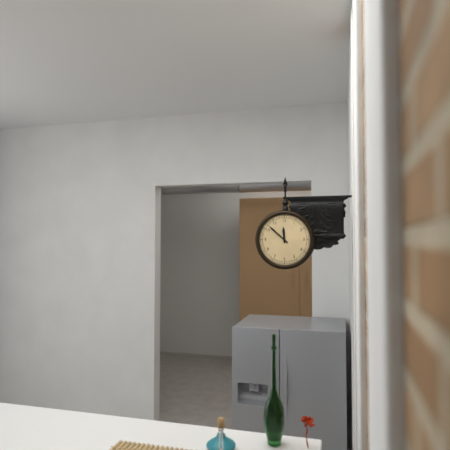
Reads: 11.52
